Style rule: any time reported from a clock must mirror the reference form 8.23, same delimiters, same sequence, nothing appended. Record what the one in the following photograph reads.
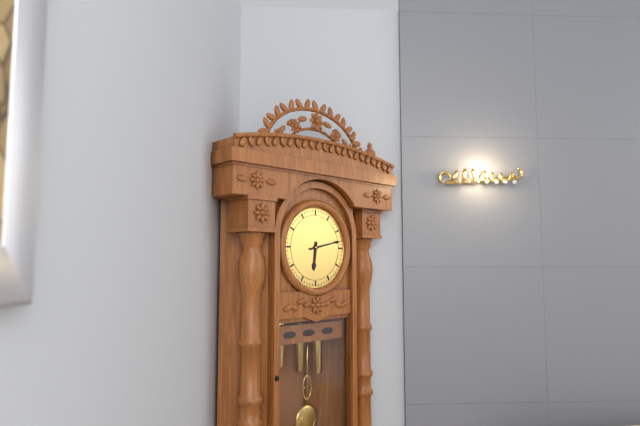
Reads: 6.13
